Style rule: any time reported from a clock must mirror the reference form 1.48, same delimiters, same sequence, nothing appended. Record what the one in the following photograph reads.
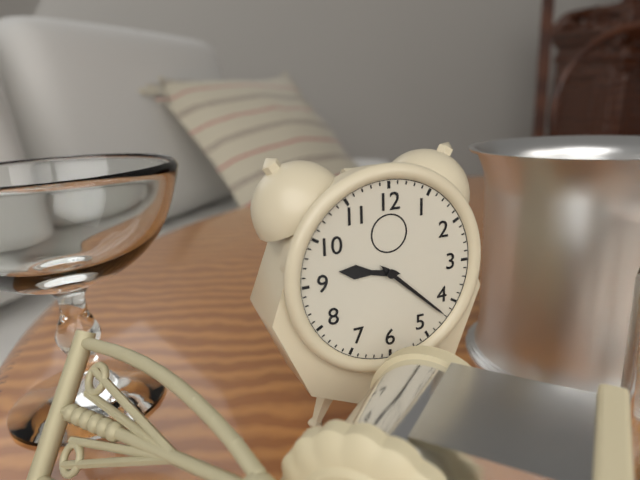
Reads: 9.22
